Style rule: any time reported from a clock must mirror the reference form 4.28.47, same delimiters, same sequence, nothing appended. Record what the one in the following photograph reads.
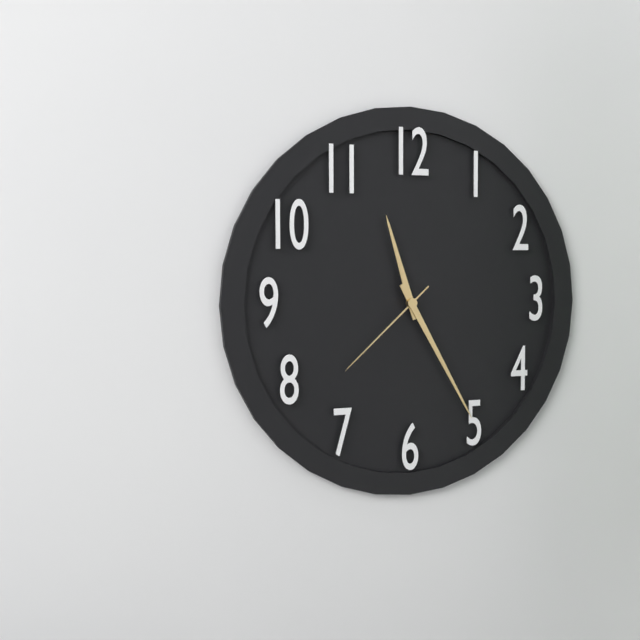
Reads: 11.25.38
